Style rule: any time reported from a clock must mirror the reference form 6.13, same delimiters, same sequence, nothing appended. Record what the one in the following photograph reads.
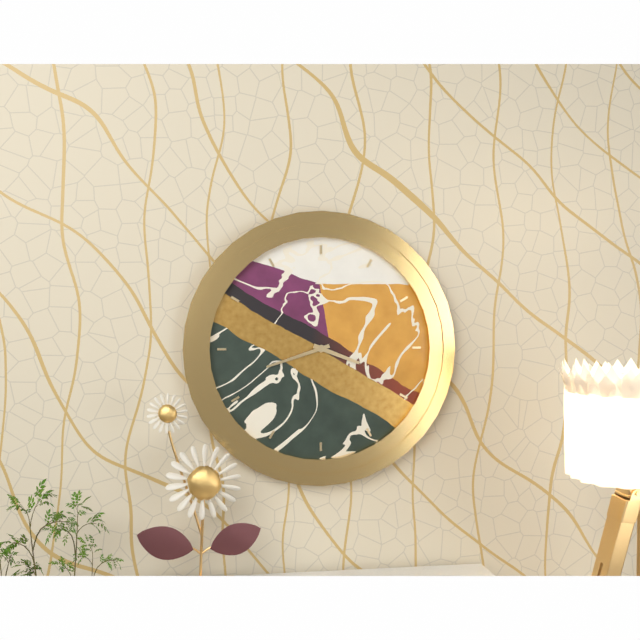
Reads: 3.42
